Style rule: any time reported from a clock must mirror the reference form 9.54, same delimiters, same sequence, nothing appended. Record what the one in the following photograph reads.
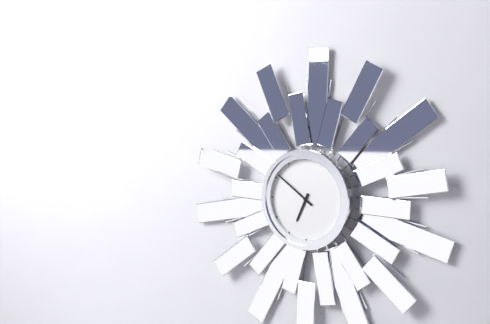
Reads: 6.51
